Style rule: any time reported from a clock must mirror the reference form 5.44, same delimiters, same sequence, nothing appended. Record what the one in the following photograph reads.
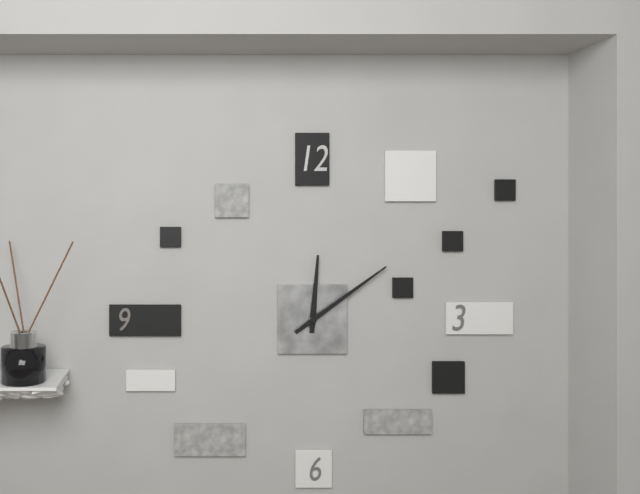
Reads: 12.09
